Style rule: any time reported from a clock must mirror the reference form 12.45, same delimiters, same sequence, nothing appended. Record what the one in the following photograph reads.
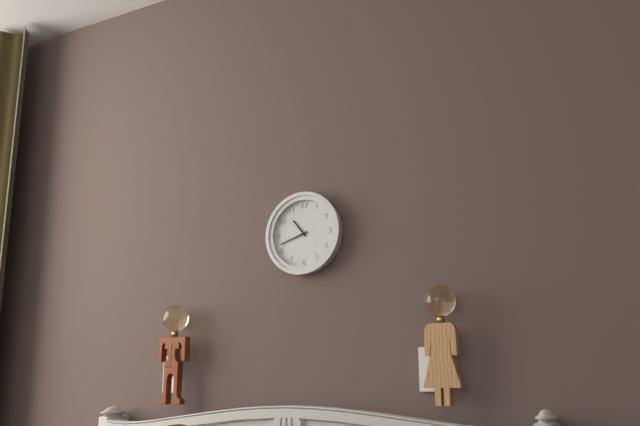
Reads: 10.42
